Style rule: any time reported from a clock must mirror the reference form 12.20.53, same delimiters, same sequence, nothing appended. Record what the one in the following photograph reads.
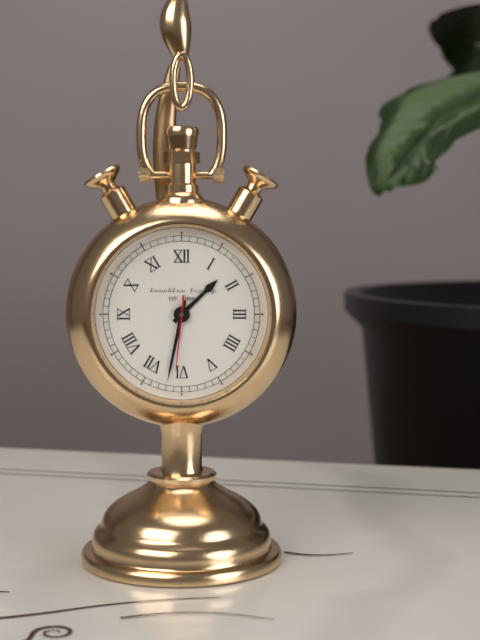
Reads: 1.32.31
